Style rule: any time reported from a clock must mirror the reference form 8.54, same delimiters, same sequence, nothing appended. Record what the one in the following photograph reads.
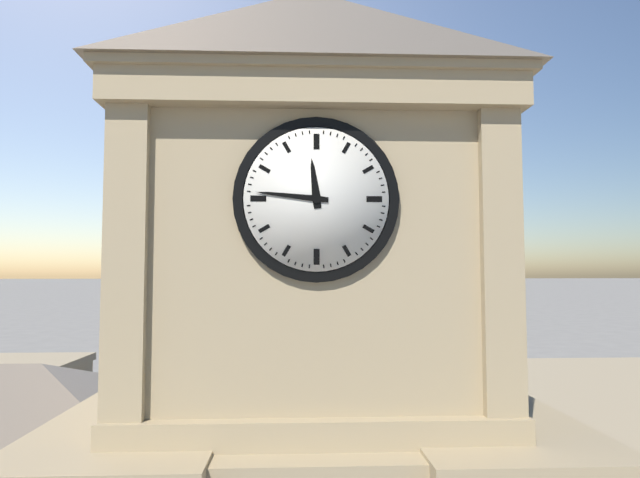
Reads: 11.46
